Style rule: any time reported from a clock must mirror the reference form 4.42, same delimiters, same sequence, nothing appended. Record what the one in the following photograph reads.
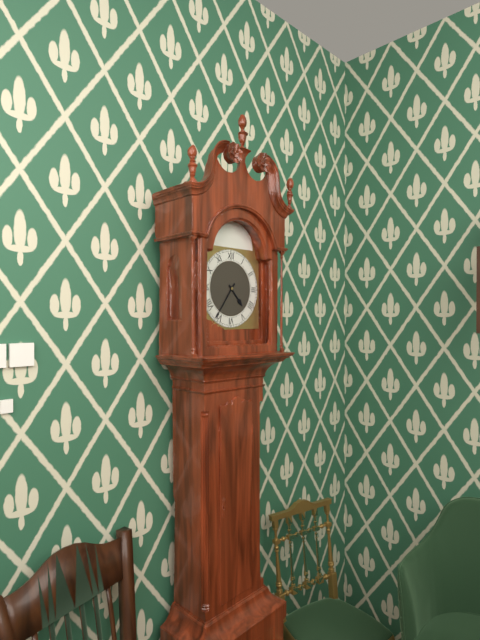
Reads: 4.36
